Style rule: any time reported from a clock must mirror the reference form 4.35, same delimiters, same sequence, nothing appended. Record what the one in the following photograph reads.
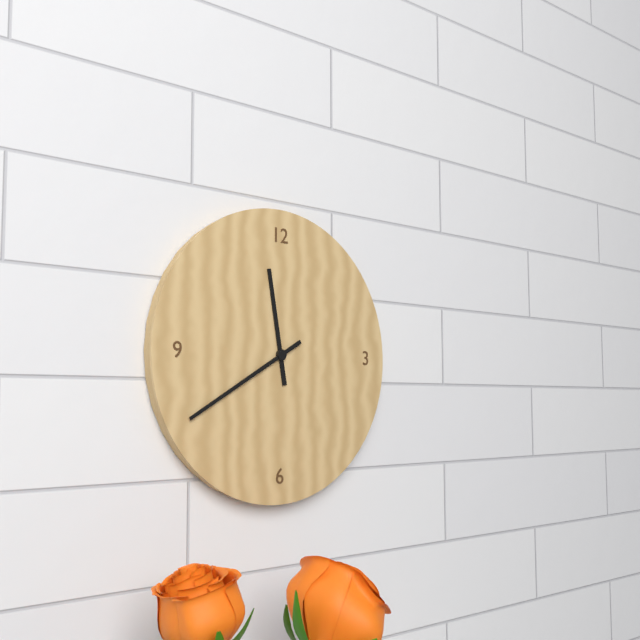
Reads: 11.40
